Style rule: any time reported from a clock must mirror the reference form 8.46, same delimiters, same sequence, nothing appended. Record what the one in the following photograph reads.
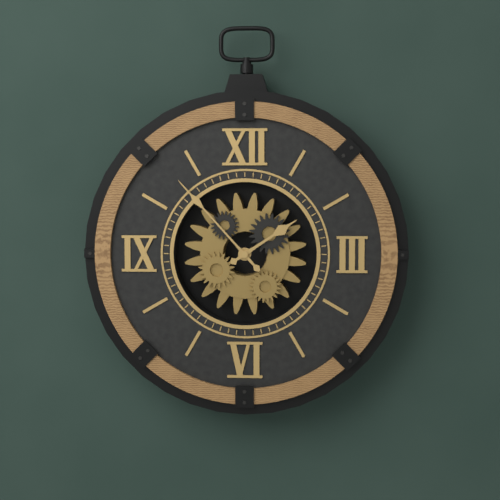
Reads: 1.53
